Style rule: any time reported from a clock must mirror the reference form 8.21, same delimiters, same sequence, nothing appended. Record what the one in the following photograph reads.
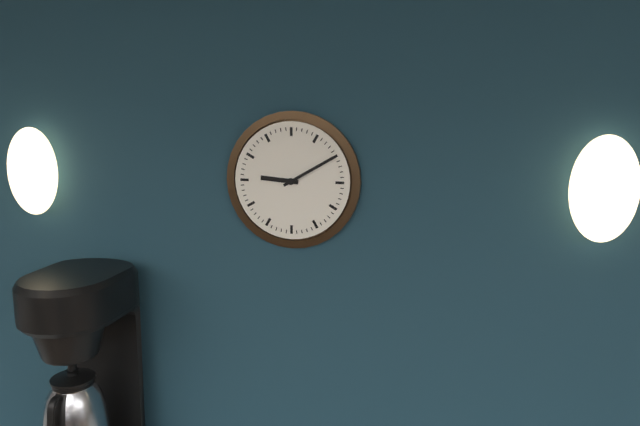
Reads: 9.10
